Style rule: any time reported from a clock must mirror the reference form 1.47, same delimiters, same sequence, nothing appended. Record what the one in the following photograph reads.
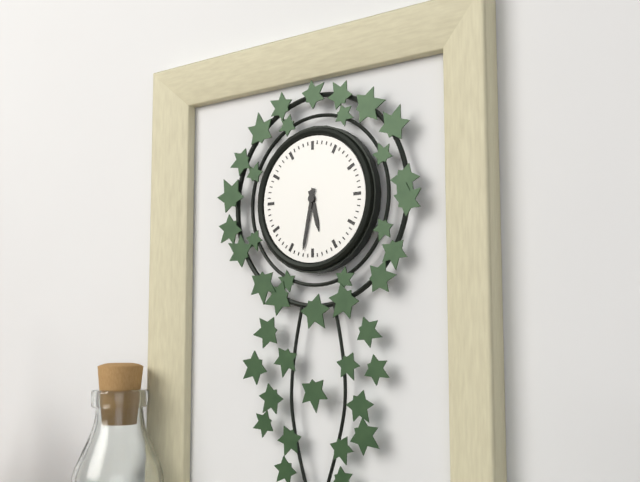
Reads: 5.32
